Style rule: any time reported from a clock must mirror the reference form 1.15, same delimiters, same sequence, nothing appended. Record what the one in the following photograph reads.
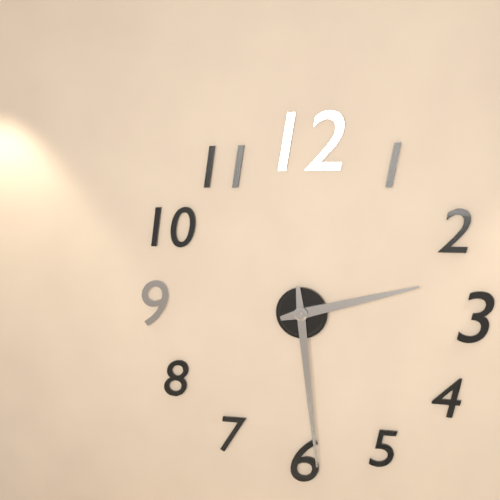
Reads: 2.29
